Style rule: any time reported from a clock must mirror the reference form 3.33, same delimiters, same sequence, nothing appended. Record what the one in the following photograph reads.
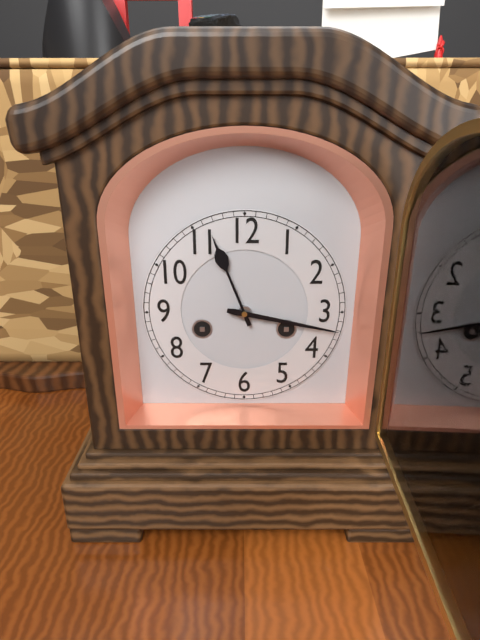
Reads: 11.17
